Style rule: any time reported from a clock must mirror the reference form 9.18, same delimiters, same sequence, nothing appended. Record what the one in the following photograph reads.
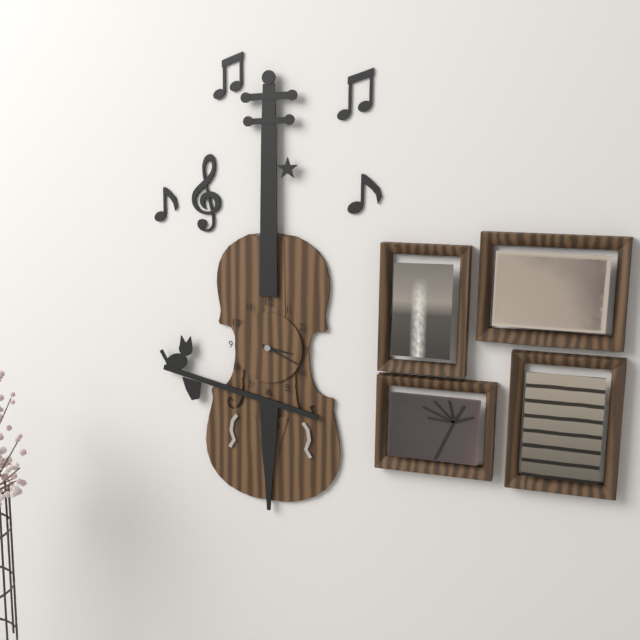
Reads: 3.19
